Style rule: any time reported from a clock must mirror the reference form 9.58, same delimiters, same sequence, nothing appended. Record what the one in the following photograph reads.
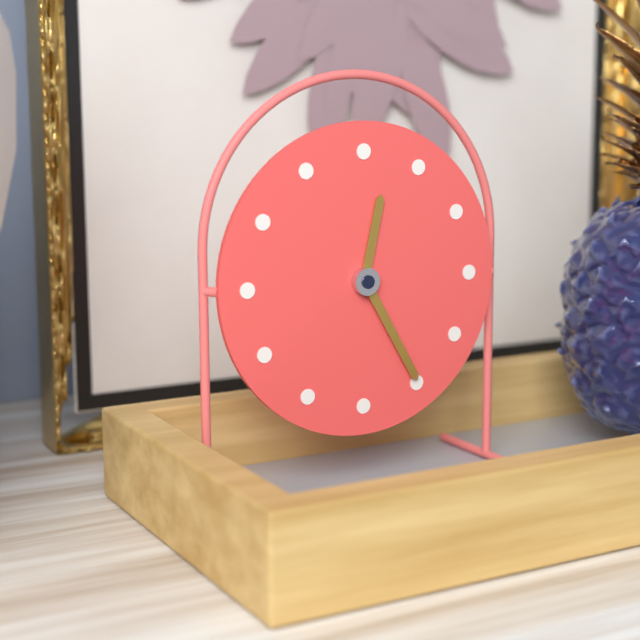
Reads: 12.25
